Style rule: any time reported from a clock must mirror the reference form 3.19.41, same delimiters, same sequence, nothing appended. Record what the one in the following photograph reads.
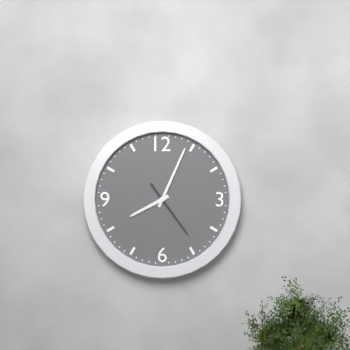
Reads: 8.04.24
